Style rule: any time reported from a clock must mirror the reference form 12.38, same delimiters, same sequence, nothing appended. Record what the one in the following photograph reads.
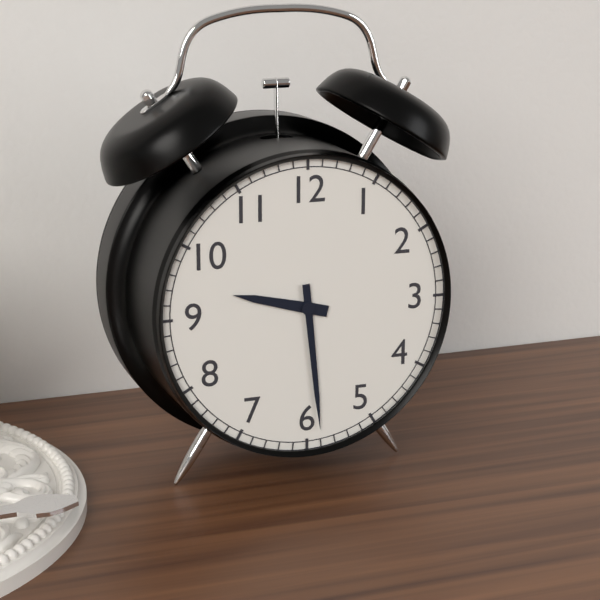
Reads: 9.29
